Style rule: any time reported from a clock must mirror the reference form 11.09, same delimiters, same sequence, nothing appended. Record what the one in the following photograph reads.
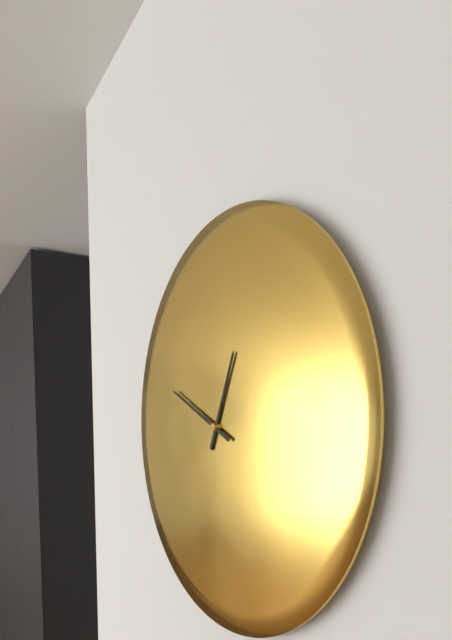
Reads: 12.49
